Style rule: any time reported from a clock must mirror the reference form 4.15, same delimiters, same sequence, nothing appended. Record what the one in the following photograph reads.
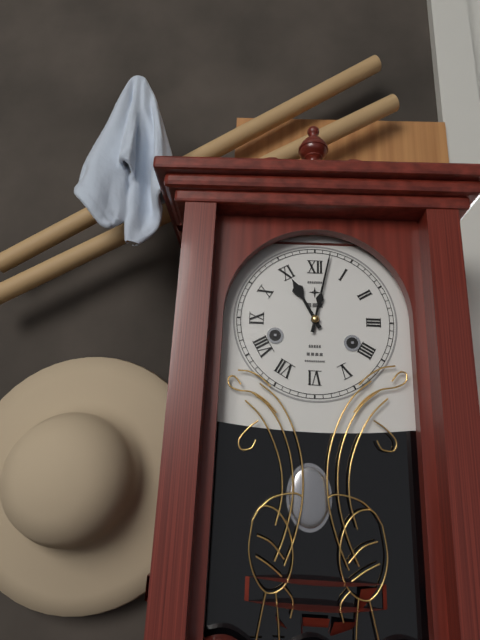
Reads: 11.02
